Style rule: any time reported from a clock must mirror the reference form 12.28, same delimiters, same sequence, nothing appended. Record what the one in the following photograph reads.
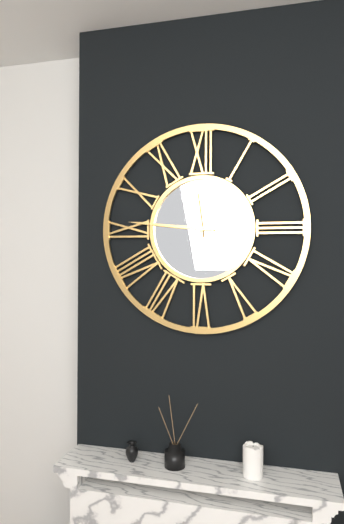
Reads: 11.46
